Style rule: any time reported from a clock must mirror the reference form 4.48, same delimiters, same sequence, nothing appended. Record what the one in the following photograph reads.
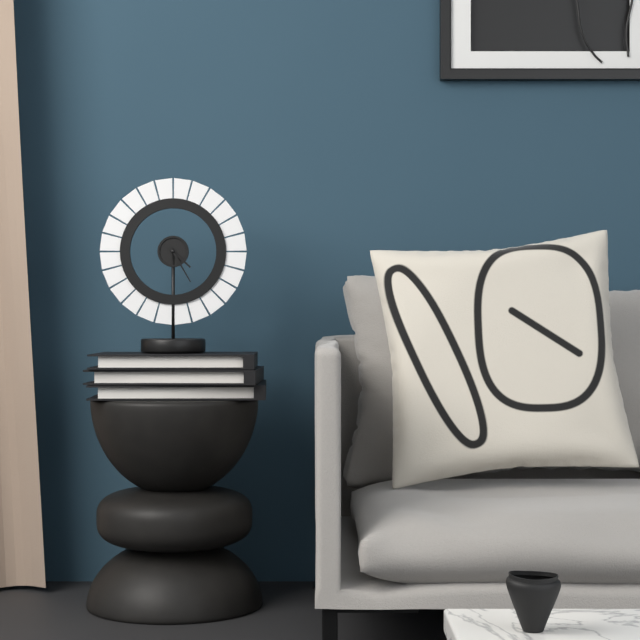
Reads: 4.25
